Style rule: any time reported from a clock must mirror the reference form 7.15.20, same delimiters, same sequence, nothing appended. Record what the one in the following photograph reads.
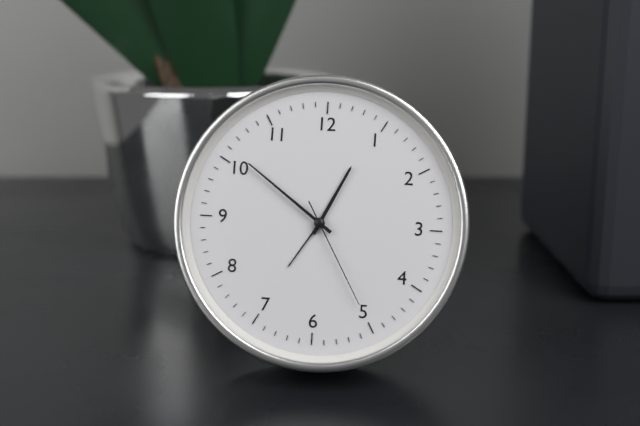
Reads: 12.51.25
